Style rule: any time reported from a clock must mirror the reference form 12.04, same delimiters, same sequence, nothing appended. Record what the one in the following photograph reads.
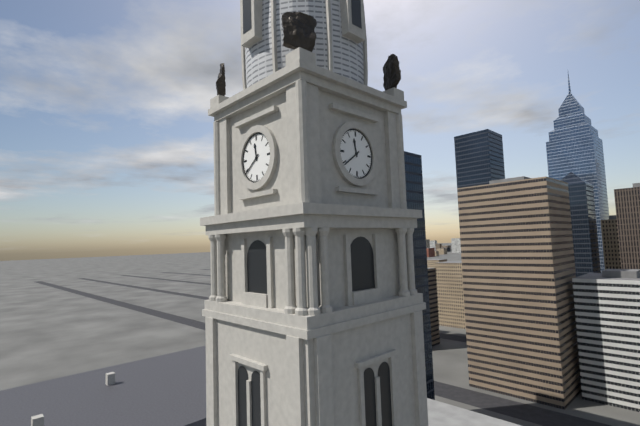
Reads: 11.39
